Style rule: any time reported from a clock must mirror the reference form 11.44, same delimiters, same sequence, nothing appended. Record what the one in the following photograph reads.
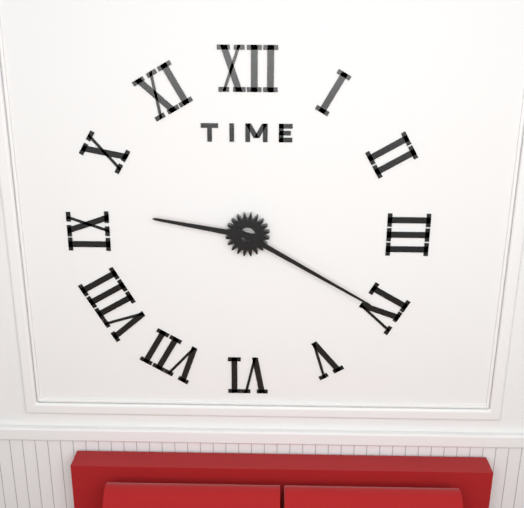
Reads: 9.20
